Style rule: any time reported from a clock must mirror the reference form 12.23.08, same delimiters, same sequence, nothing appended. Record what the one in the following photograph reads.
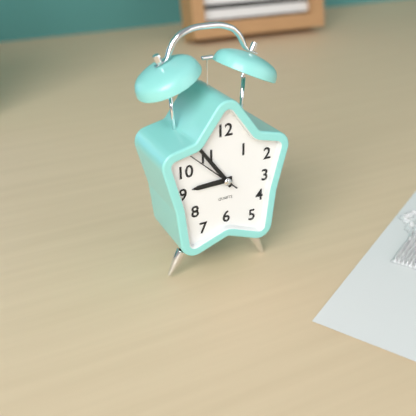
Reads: 8.54.52
